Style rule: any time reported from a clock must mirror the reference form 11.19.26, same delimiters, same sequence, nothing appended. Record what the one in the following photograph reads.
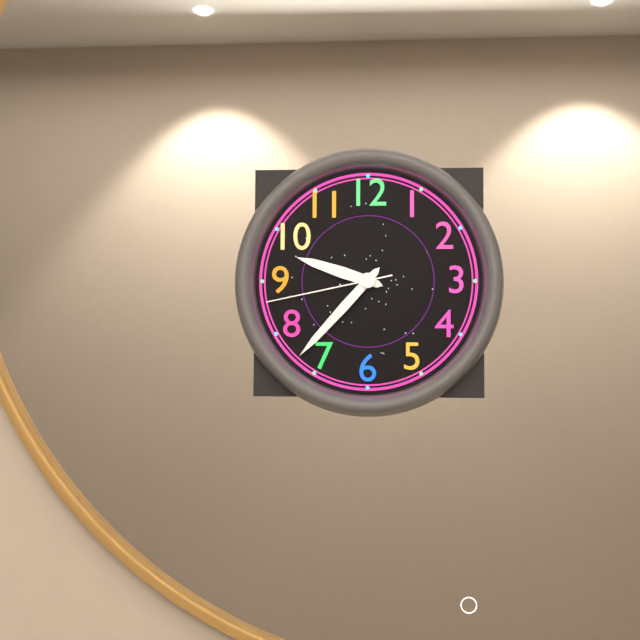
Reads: 9.37.43
